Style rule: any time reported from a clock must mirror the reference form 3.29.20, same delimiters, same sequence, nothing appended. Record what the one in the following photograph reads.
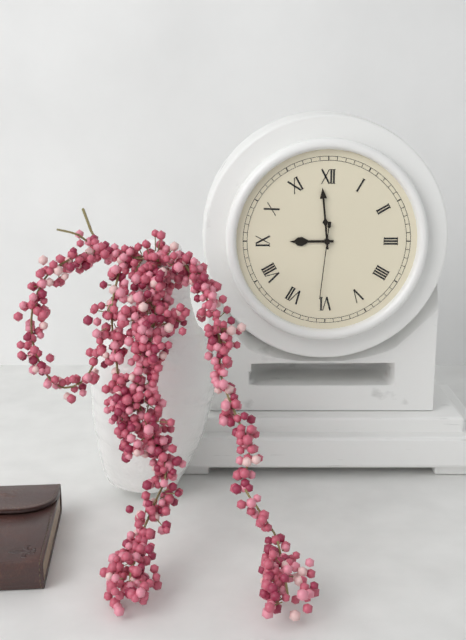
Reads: 8.59.31
